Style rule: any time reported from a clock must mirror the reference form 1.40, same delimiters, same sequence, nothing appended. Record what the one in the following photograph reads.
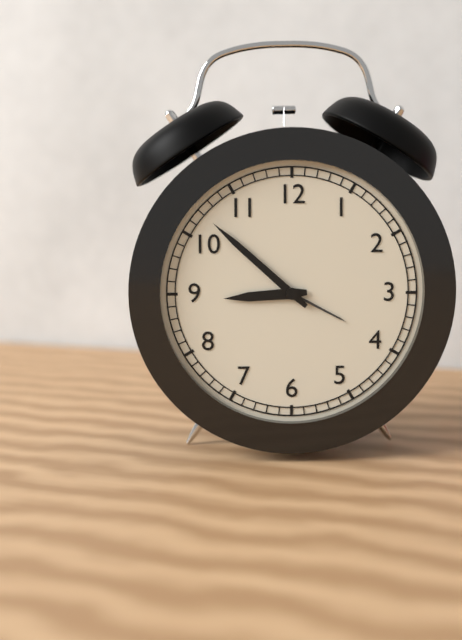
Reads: 8.52
